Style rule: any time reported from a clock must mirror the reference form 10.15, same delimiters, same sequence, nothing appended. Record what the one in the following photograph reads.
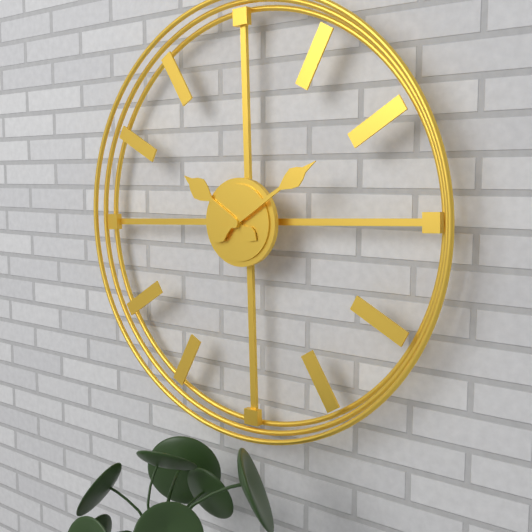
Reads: 10.10
